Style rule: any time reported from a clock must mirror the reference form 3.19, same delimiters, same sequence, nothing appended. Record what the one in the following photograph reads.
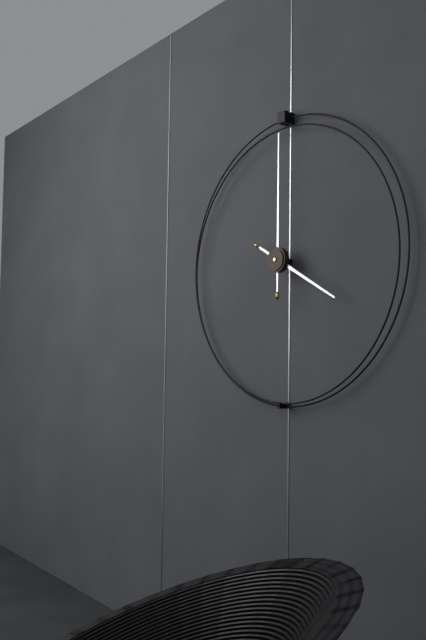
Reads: 4.00
